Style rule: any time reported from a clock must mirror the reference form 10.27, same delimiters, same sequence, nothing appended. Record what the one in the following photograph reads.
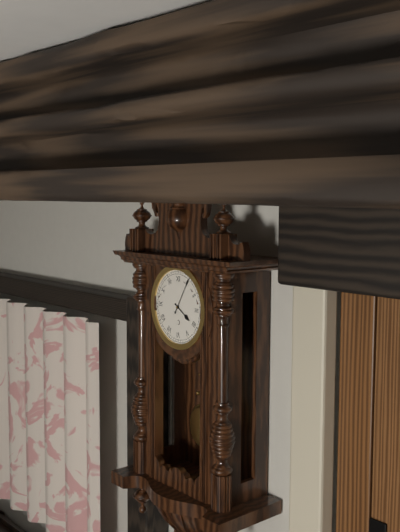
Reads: 4.05
